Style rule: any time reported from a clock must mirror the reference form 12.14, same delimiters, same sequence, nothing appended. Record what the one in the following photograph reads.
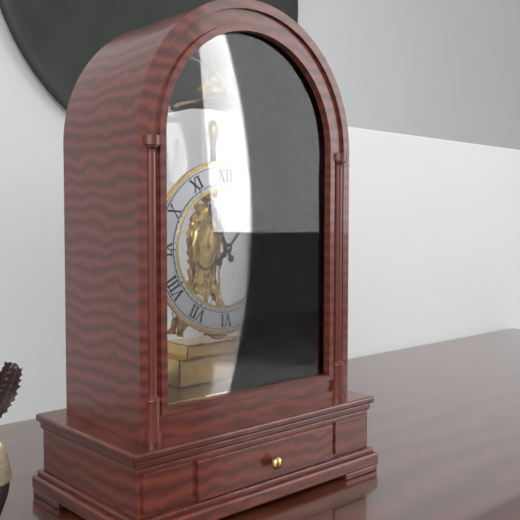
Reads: 11.07
